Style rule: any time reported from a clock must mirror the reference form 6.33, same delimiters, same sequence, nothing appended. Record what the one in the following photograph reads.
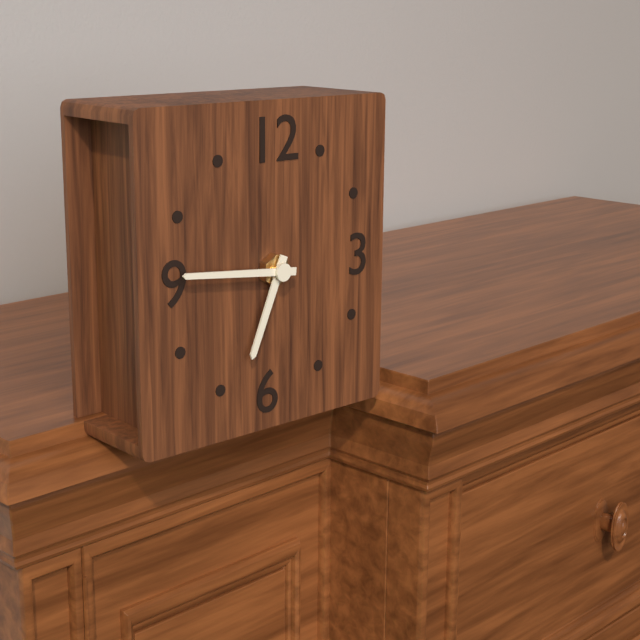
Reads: 6.46
